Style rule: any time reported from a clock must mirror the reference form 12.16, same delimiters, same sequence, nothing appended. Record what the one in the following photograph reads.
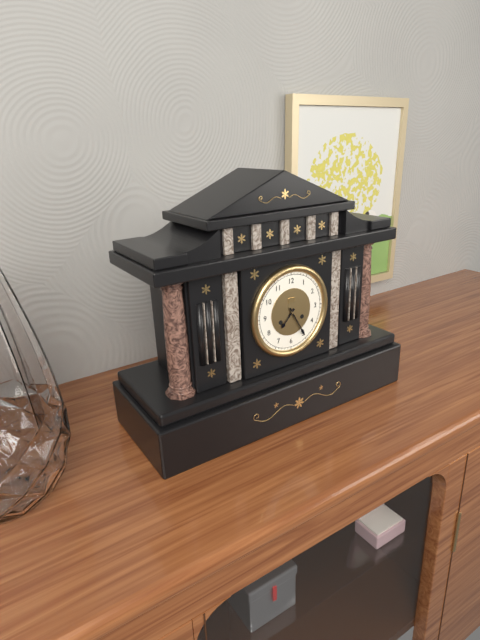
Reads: 7.25
